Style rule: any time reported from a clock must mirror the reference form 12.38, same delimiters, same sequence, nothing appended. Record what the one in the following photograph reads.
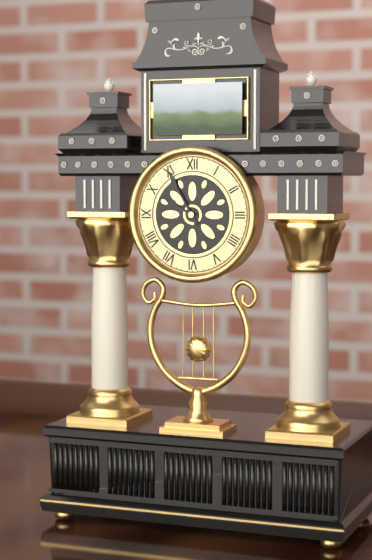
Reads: 9.55
